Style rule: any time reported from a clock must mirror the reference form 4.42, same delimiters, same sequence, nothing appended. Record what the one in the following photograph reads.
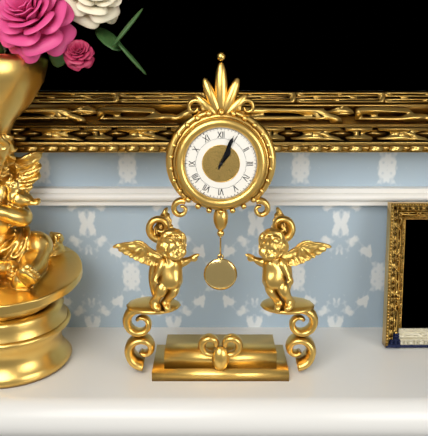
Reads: 1.04
